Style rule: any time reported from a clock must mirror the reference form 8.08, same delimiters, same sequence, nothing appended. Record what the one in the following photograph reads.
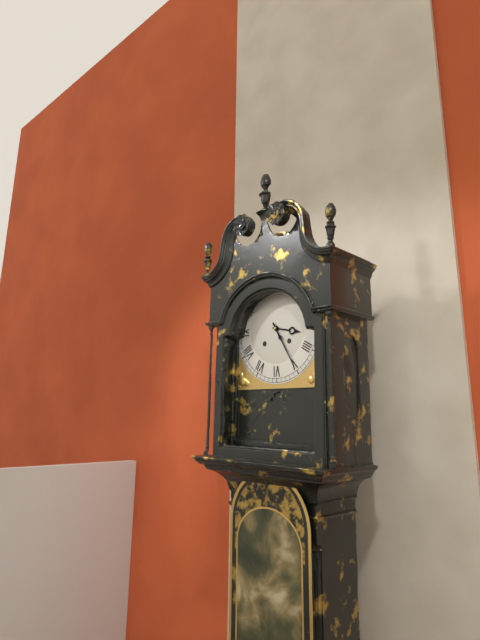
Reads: 3.25
